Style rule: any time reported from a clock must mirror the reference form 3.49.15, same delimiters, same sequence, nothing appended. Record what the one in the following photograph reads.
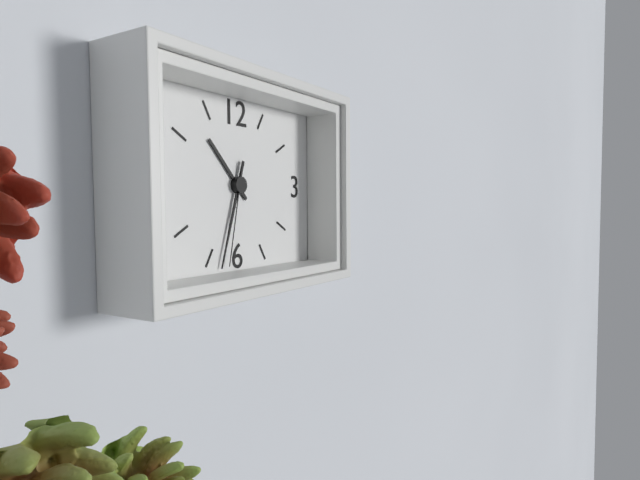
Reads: 10.33.32
